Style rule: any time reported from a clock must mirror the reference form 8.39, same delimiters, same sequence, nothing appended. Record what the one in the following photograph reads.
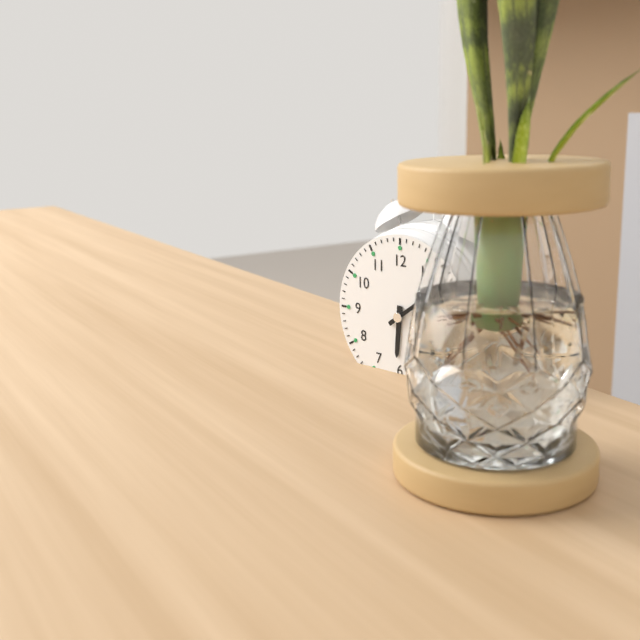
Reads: 6.09
